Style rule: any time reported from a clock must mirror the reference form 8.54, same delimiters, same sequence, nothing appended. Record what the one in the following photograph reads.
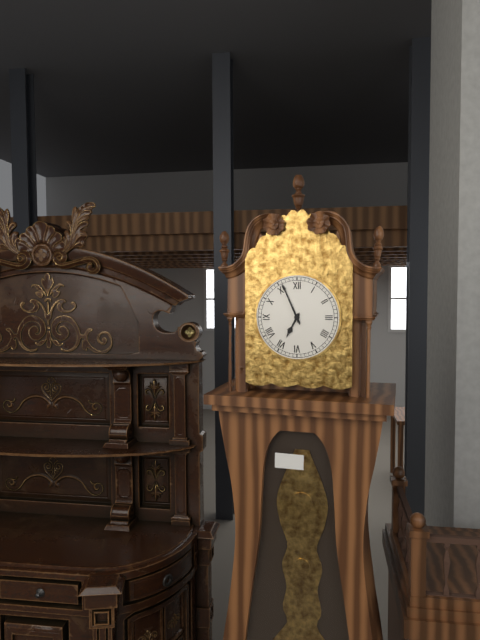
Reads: 6.56
